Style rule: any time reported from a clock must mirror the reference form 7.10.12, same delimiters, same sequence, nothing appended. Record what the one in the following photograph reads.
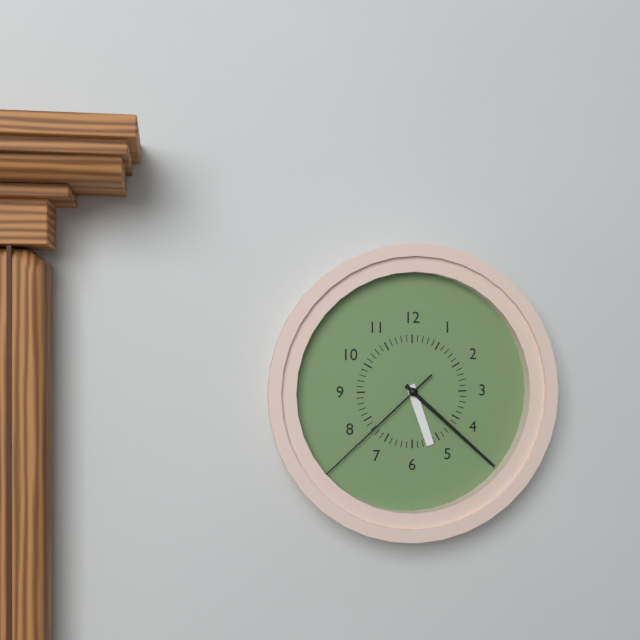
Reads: 5.22.38
